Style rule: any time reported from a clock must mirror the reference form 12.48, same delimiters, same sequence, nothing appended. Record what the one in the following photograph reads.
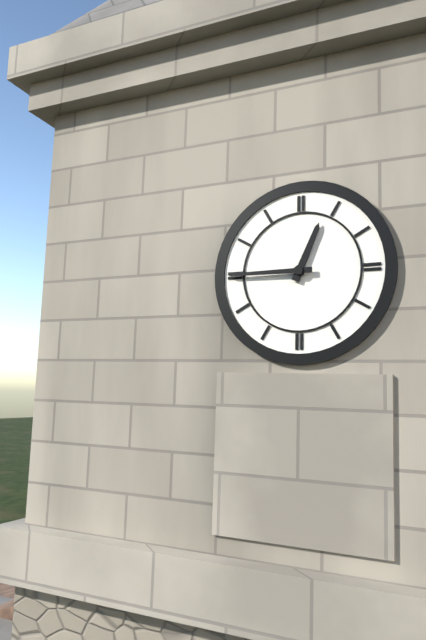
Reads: 12.45
